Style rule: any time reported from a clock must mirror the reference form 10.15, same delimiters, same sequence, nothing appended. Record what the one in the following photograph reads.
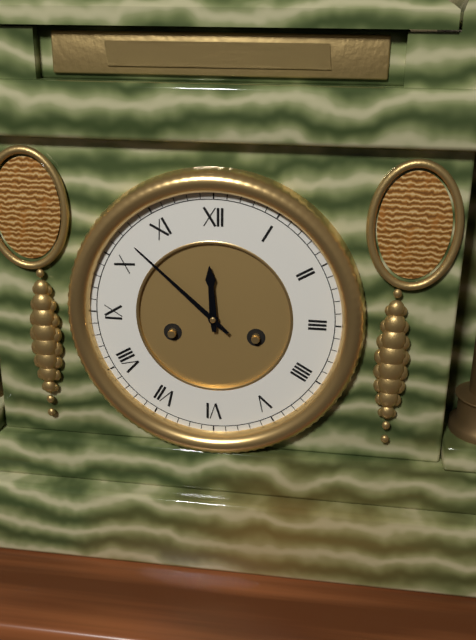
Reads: 11.52
